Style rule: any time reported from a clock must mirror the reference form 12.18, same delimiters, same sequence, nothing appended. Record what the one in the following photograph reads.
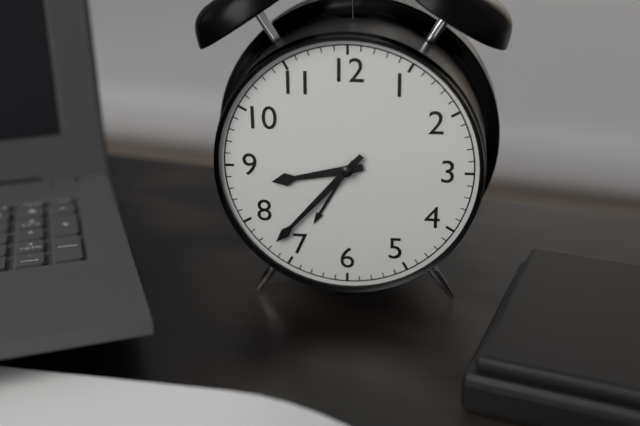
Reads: 8.37
